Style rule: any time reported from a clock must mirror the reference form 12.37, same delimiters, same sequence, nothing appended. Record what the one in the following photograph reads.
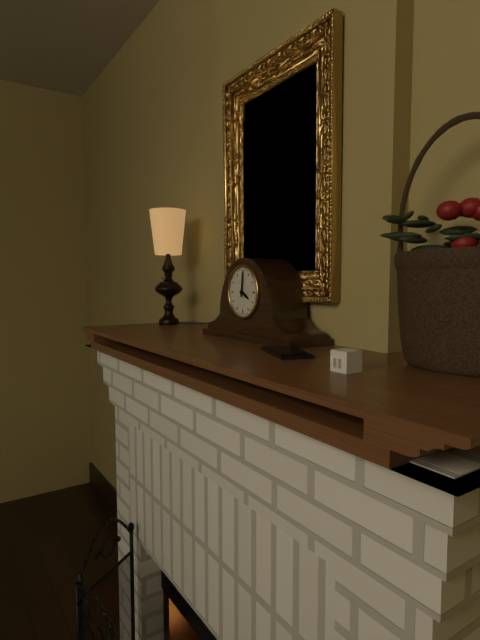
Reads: 4.01
